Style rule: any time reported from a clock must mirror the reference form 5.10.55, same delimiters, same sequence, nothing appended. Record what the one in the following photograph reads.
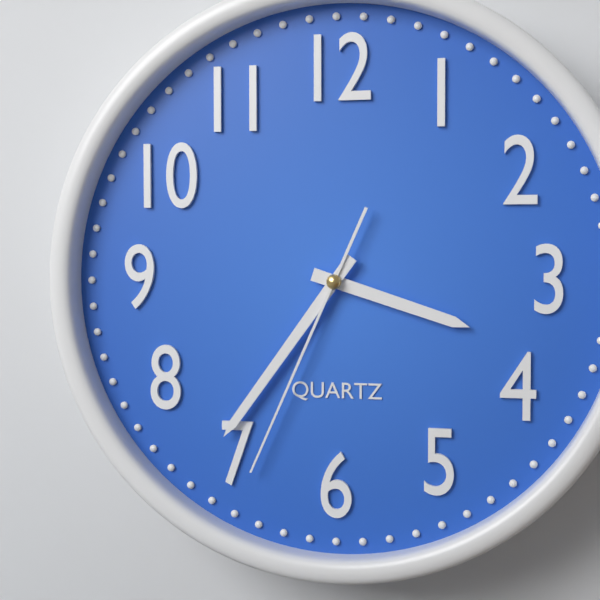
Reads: 3.36.34
